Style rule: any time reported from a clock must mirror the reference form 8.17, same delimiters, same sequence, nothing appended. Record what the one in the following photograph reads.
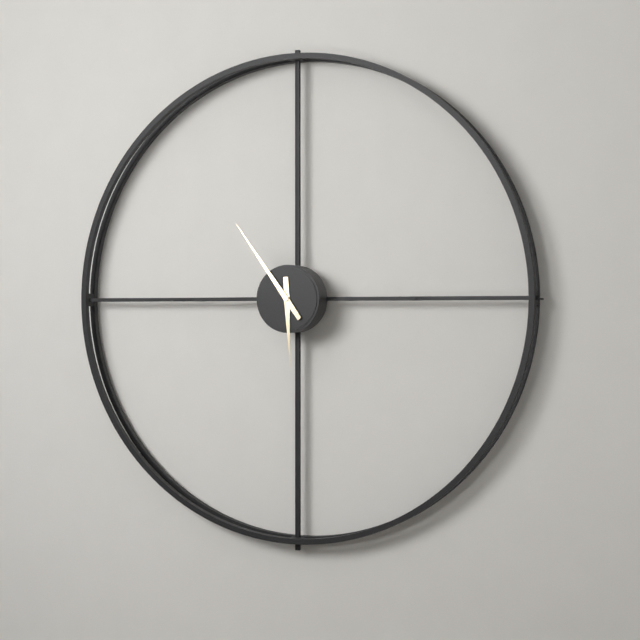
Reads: 5.54
